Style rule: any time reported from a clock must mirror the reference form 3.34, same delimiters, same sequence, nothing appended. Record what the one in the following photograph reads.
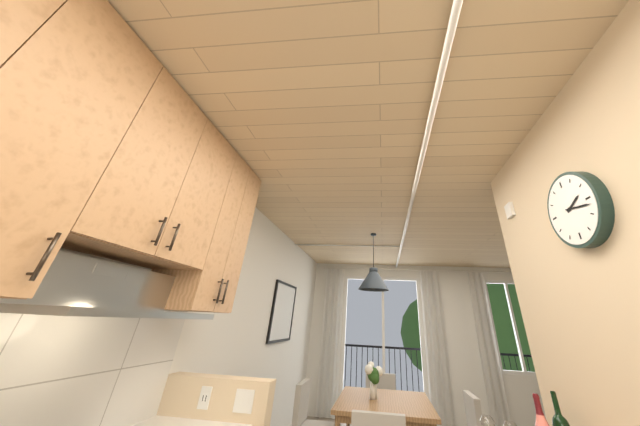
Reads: 2.17
